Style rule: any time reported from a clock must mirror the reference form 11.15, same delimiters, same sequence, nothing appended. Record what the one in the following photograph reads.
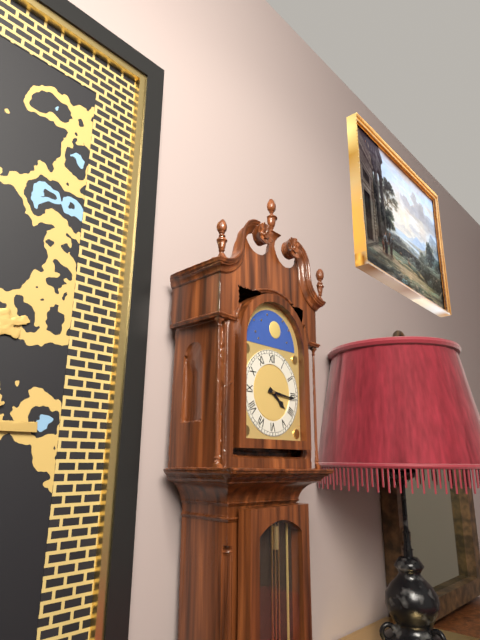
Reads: 4.16
